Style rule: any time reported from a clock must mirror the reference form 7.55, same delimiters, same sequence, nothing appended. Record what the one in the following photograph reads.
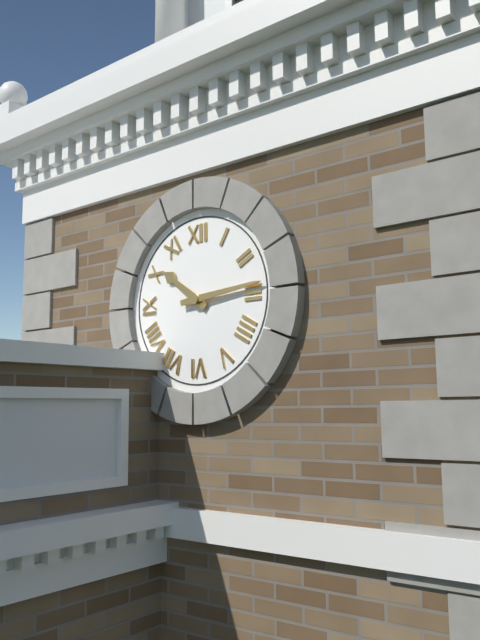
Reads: 10.14
